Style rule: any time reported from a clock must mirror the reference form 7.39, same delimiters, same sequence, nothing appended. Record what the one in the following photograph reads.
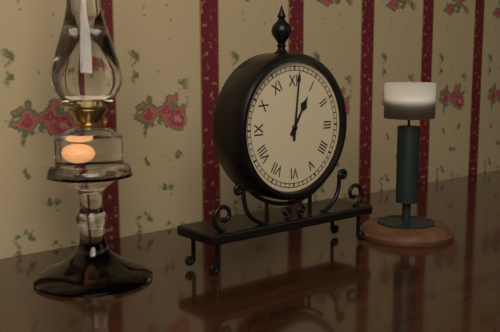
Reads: 1.01
